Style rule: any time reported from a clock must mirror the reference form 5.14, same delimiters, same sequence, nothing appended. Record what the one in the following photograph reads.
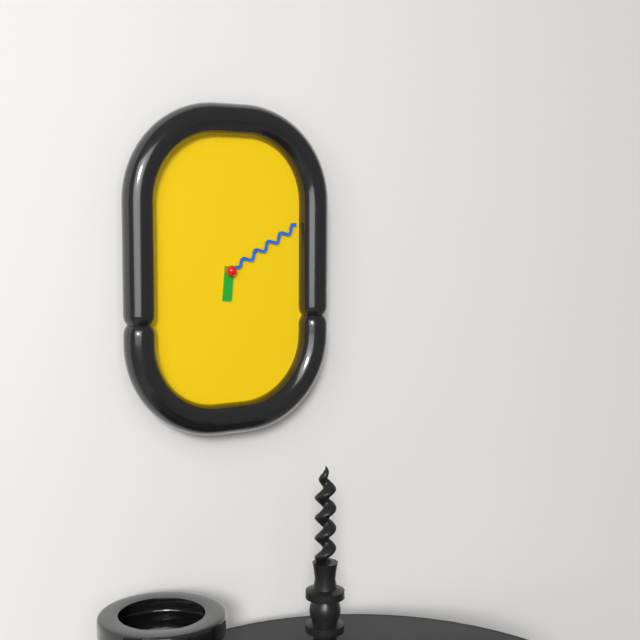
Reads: 6.10
